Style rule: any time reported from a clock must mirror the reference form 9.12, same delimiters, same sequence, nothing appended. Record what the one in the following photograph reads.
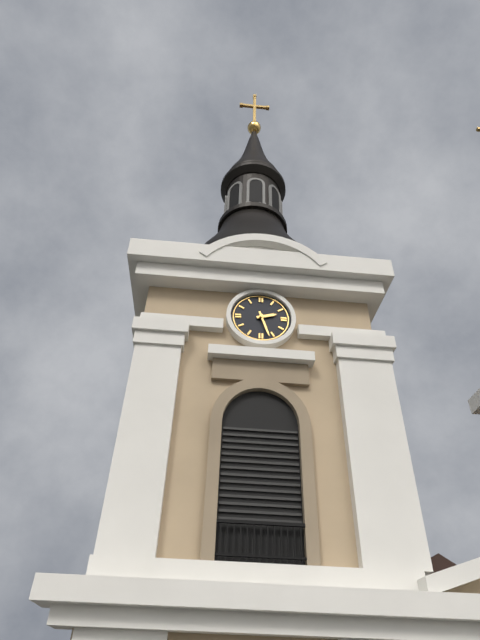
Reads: 2.27
